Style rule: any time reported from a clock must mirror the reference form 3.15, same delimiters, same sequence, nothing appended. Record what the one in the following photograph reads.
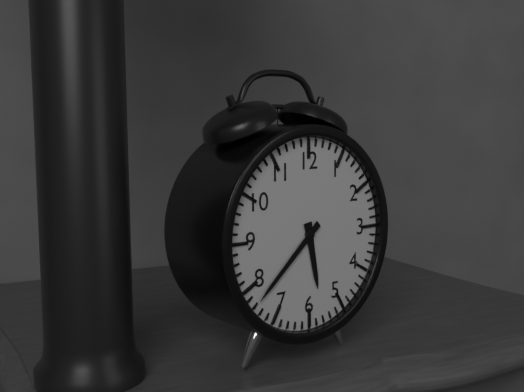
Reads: 5.38
